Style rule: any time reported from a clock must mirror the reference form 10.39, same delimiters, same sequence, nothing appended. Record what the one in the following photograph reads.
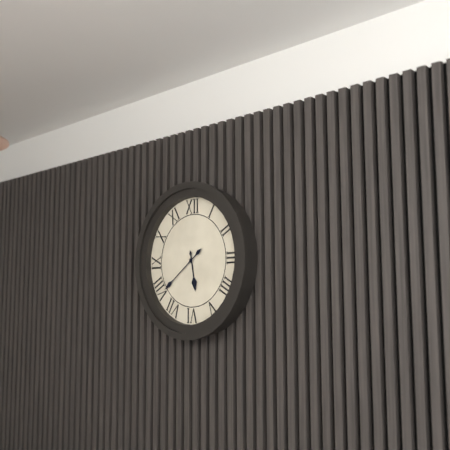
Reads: 5.39
